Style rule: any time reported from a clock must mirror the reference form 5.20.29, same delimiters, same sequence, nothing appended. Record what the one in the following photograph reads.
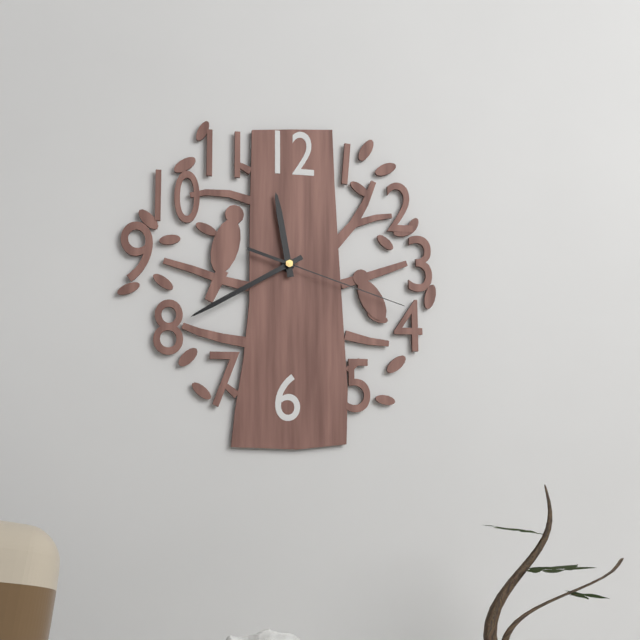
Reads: 11.40.18
